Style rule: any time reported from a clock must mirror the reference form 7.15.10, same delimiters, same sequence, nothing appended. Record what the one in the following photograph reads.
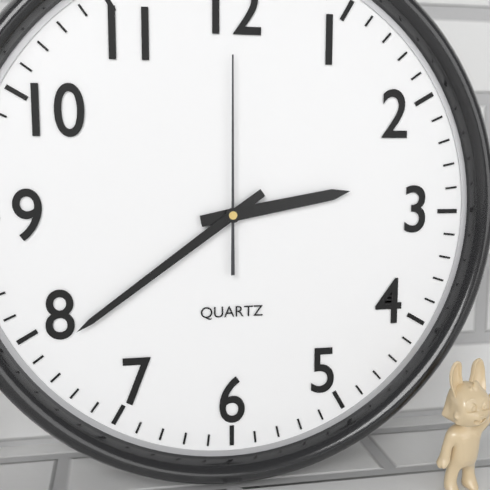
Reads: 2.39.00
